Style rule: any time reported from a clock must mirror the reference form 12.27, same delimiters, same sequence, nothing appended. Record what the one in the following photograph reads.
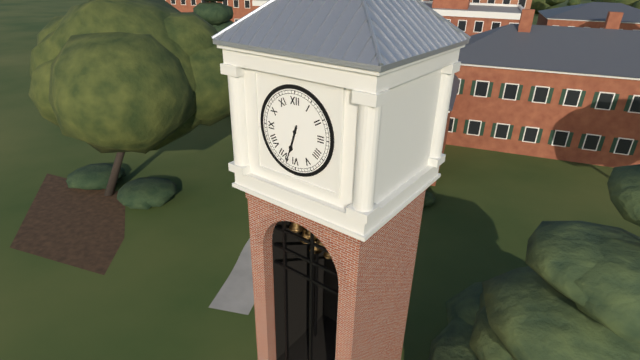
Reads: 6.33
